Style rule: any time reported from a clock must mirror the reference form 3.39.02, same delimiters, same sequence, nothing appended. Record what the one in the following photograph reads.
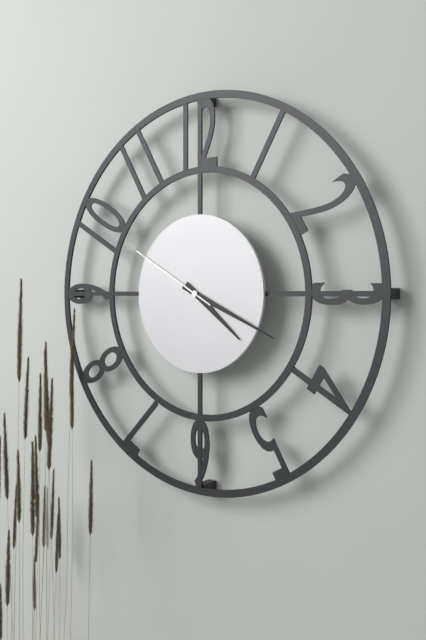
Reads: 4.19.50
